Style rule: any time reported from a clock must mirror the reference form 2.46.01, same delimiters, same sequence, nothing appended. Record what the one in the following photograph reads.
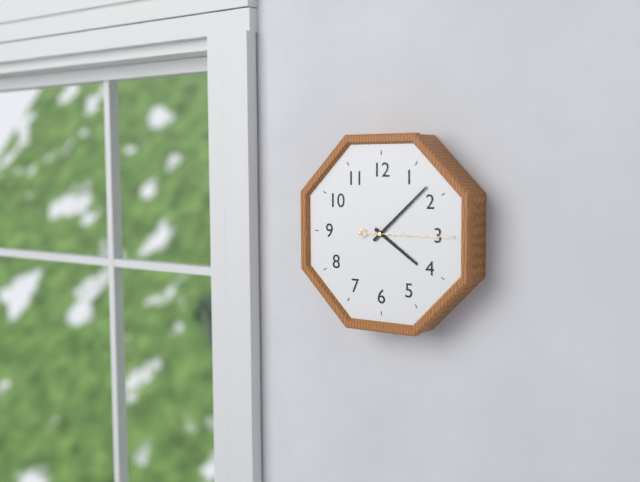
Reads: 4.08.15
